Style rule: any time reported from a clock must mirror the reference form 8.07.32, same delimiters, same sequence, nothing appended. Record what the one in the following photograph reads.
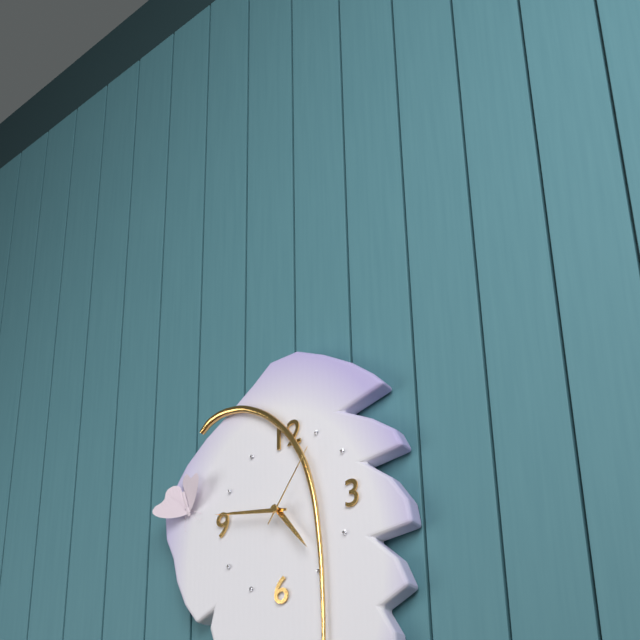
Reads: 4.47.06
